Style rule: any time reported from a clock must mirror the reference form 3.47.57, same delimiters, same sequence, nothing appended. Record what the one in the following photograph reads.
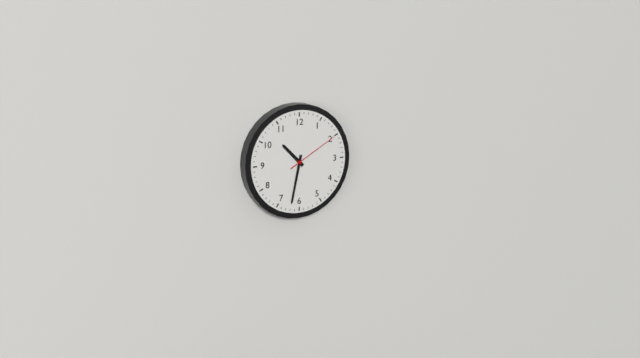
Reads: 10.32.10
